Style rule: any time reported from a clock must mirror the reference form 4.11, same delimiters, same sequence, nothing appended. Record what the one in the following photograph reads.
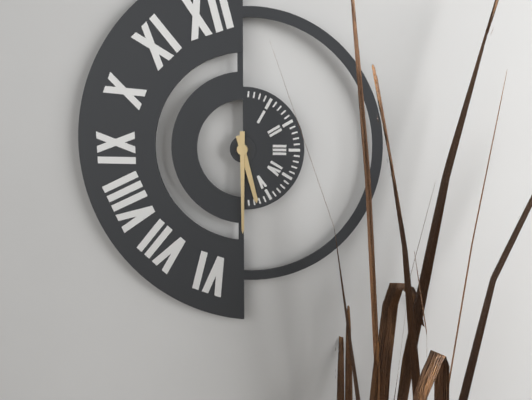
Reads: 5.30
